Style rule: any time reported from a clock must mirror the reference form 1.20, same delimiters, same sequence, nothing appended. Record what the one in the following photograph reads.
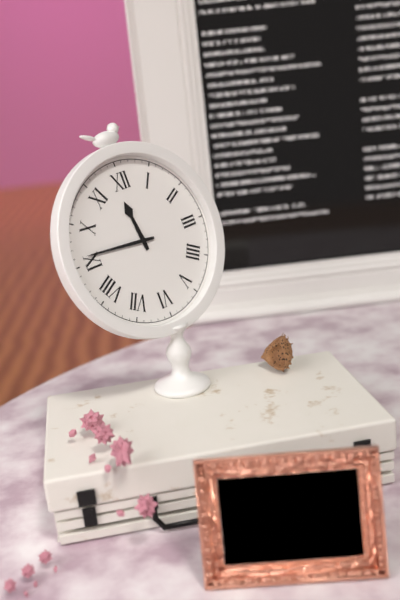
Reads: 11.46
